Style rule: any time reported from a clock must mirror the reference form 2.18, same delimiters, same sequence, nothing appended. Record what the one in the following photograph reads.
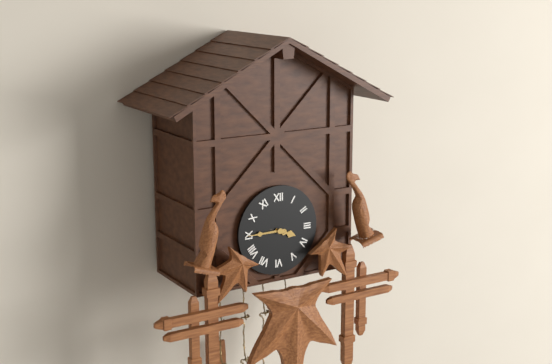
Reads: 3.45
